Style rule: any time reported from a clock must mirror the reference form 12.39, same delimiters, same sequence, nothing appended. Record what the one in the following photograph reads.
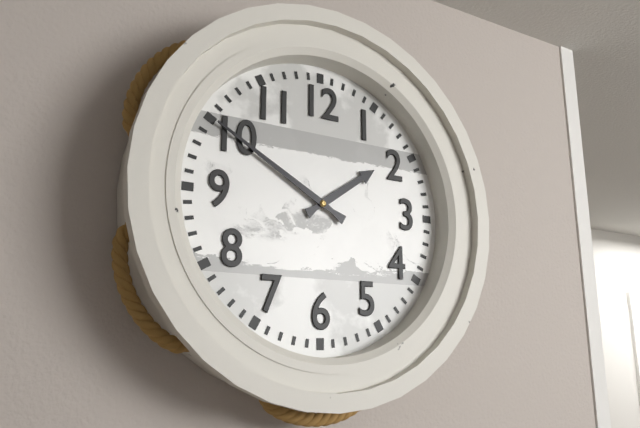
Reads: 1.50
